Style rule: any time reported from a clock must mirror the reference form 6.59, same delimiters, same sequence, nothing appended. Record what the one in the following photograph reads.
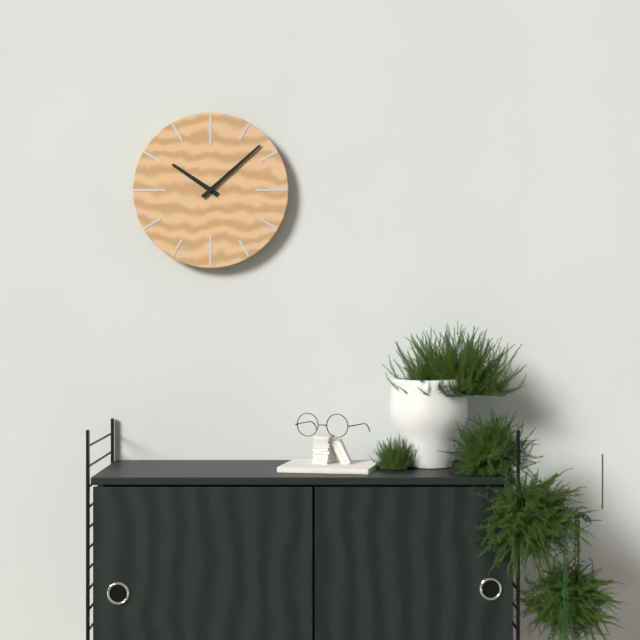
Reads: 10.08
